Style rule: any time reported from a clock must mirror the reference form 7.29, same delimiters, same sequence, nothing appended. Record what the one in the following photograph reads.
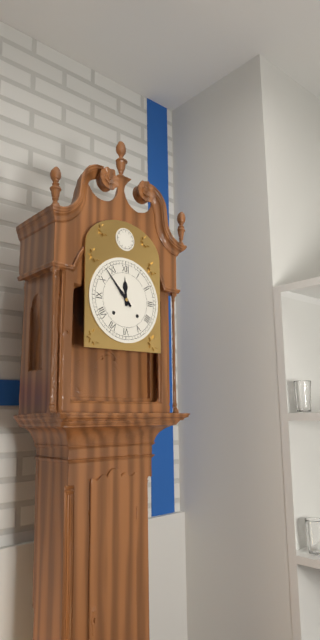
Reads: 11.53
